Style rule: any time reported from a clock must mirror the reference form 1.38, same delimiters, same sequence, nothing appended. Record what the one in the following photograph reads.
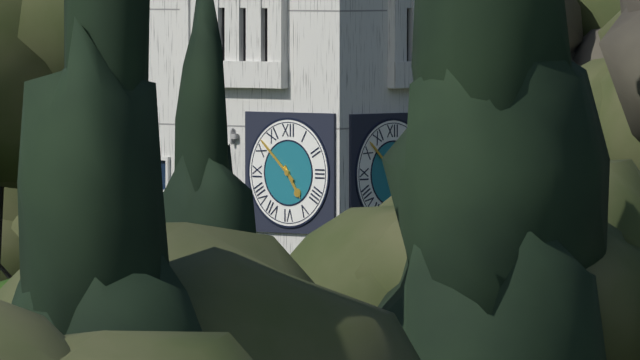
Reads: 4.52
